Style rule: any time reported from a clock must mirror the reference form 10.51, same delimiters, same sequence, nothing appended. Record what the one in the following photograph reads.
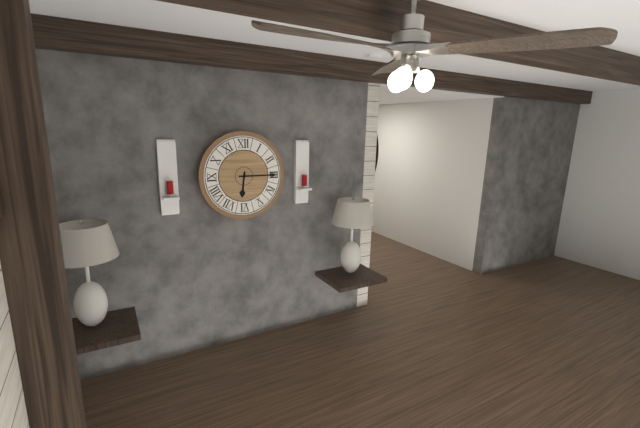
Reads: 6.15
